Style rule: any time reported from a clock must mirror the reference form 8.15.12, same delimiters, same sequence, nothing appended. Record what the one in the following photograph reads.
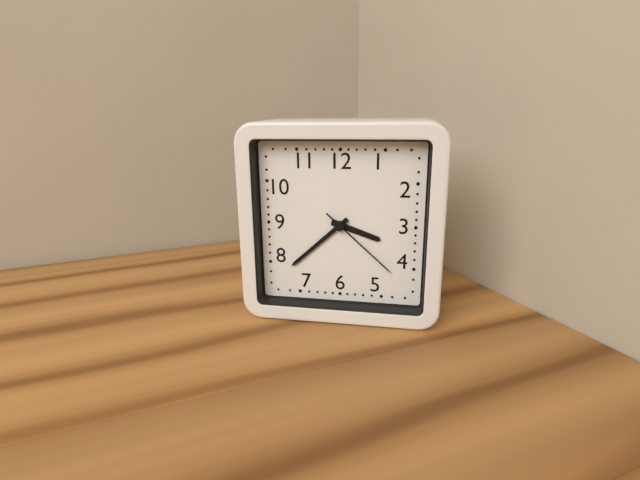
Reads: 3.38.22
